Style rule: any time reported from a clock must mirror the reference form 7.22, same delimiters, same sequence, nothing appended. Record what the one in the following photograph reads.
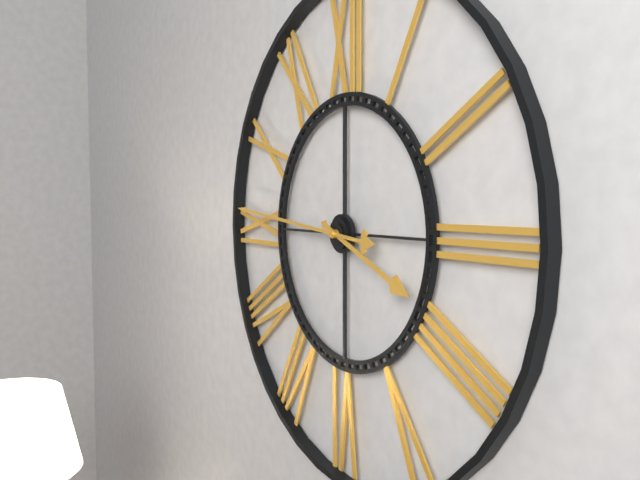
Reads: 3.46
